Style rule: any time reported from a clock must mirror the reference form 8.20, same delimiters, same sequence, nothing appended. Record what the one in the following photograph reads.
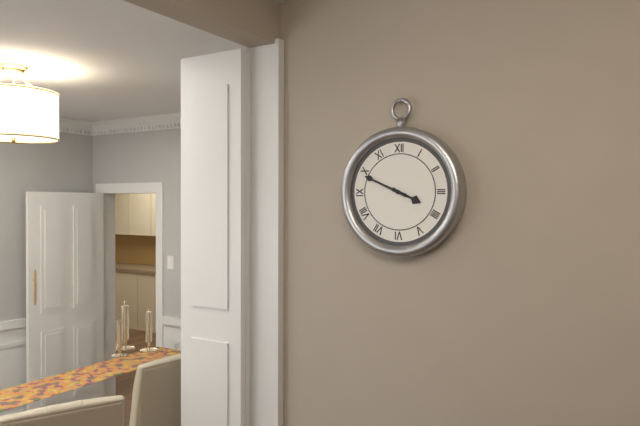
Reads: 3.49
